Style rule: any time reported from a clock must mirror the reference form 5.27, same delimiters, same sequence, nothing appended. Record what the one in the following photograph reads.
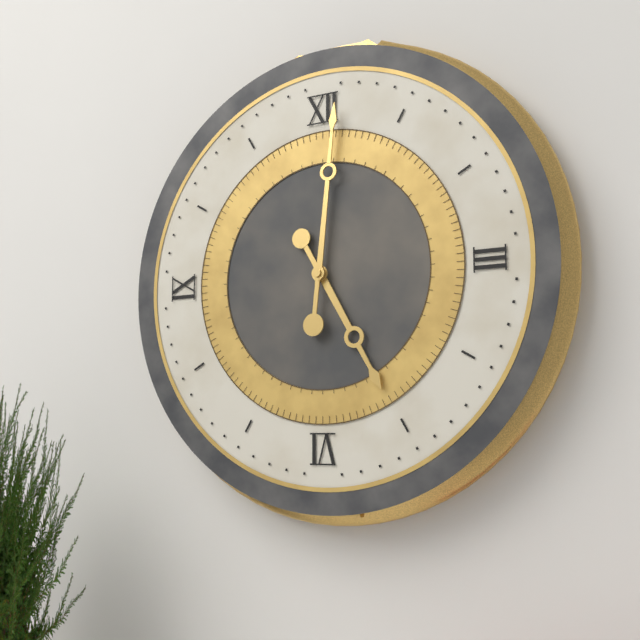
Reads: 5.01
